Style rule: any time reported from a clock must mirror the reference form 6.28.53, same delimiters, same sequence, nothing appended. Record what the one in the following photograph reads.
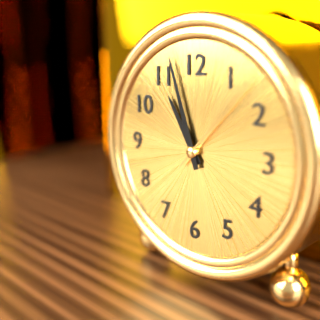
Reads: 10.57.07
